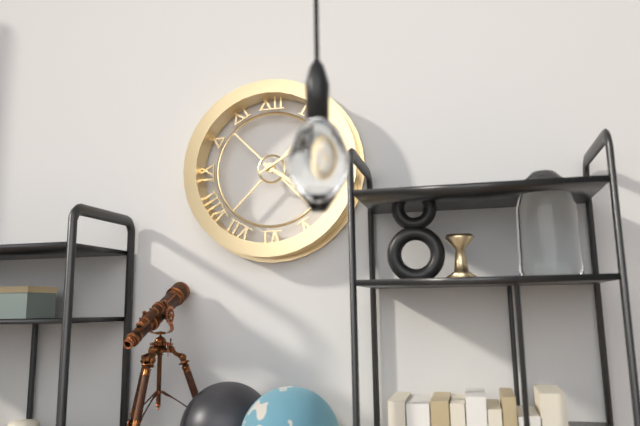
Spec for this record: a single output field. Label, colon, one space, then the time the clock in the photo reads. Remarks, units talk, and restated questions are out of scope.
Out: 4:10
